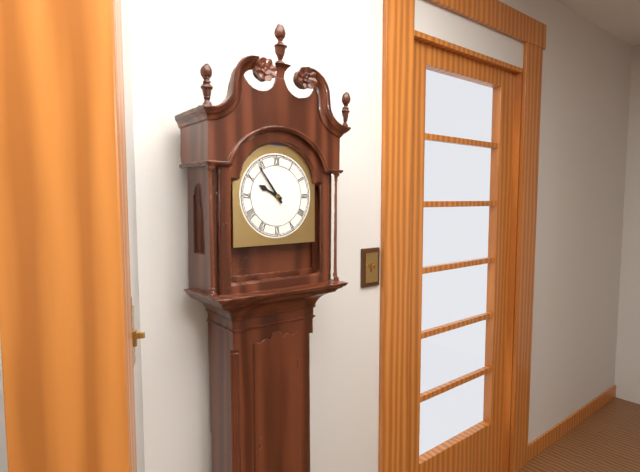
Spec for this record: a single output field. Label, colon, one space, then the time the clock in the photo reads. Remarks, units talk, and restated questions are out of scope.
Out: 9:54
